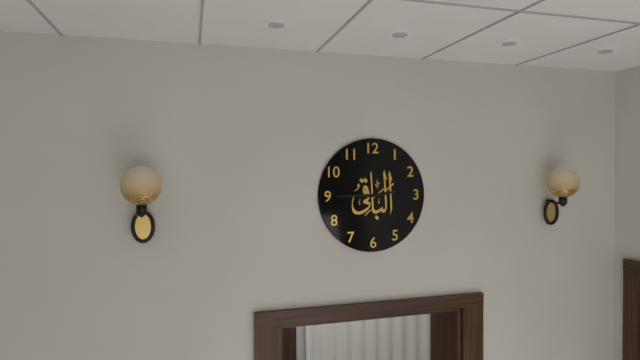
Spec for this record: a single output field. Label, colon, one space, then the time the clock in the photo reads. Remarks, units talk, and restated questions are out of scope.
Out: 2:45
